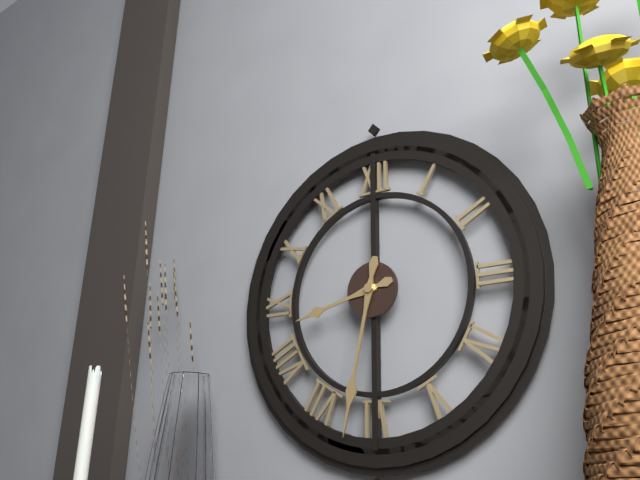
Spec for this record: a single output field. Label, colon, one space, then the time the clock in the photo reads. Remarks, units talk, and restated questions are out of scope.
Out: 8:32
